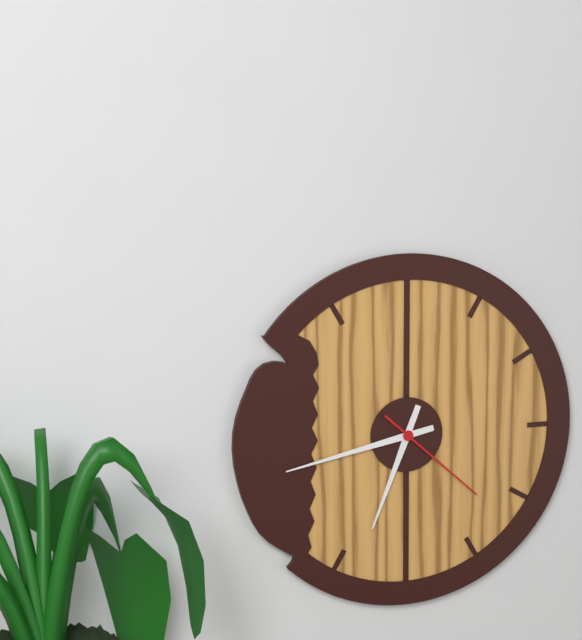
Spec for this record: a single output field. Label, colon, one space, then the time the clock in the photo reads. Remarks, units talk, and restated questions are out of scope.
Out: 6:43:22
